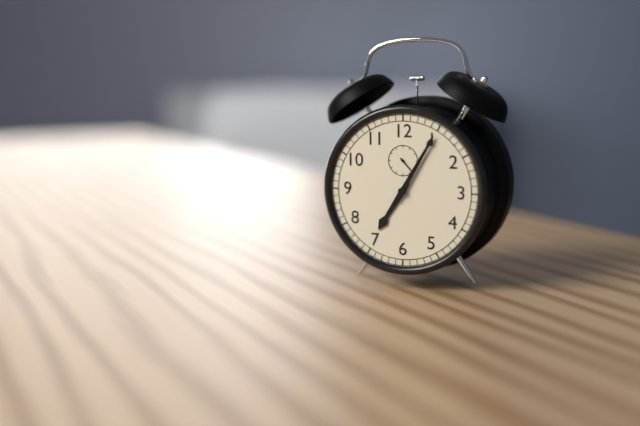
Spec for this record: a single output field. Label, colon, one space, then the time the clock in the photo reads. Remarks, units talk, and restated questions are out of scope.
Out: 7:05
